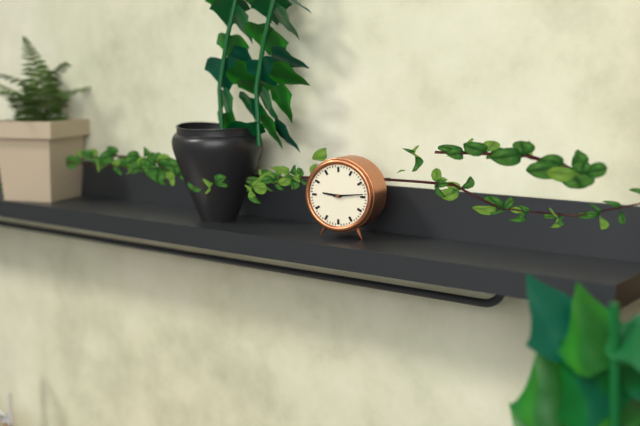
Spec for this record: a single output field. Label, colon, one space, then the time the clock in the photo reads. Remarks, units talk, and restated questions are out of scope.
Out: 9:14
